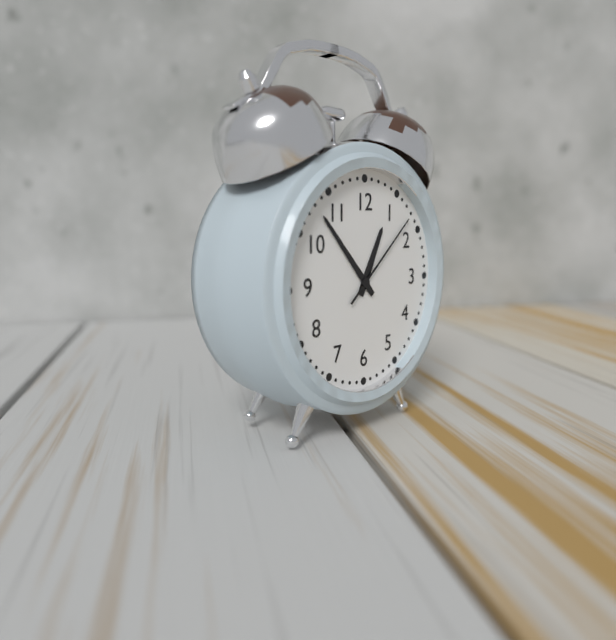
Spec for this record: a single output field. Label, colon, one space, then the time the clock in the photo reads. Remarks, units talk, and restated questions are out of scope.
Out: 12:53:08
